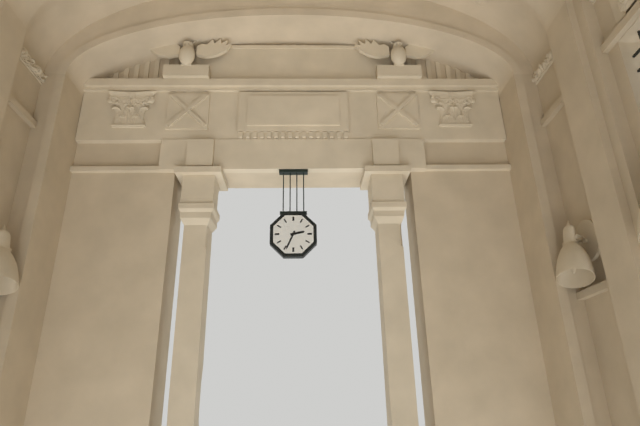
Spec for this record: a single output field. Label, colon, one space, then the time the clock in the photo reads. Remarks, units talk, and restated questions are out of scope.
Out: 2:34
